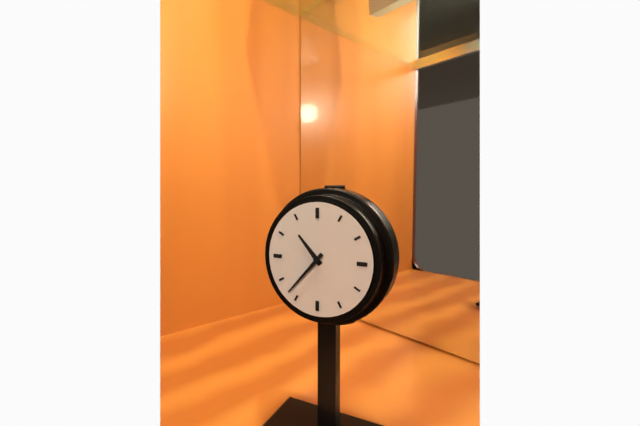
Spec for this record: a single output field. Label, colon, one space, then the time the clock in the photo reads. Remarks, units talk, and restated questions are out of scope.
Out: 10:37
